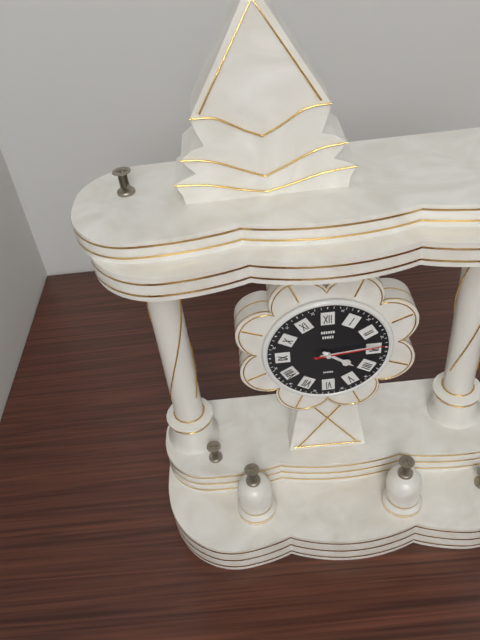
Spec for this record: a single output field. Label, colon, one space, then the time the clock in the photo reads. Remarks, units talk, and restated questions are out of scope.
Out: 4:14:14
